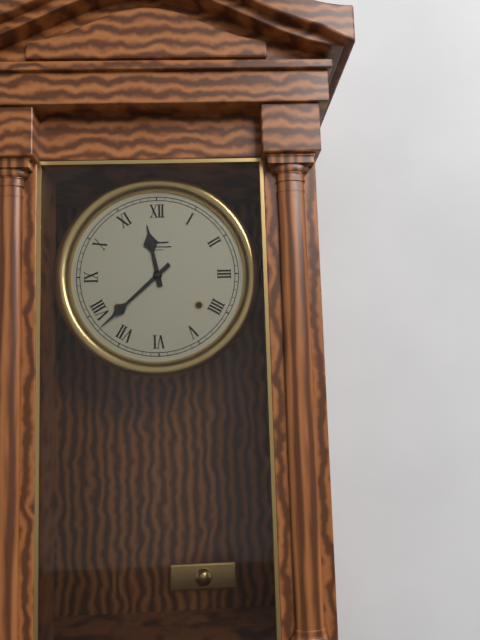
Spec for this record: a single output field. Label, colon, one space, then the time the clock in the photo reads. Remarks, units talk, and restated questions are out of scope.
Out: 11:38
